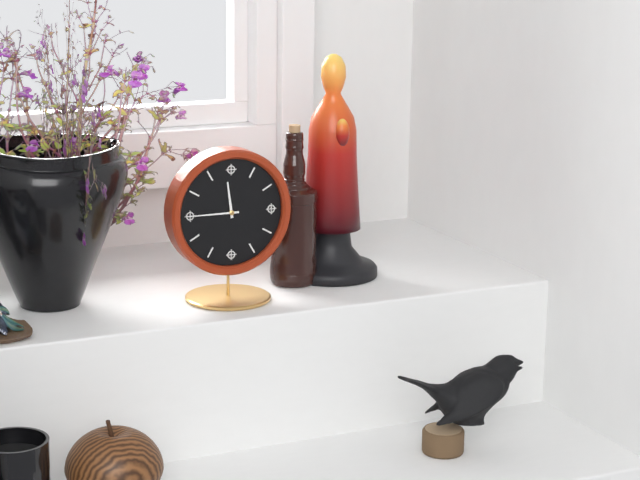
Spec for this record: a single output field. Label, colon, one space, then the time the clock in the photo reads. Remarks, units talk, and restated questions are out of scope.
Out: 11:45
